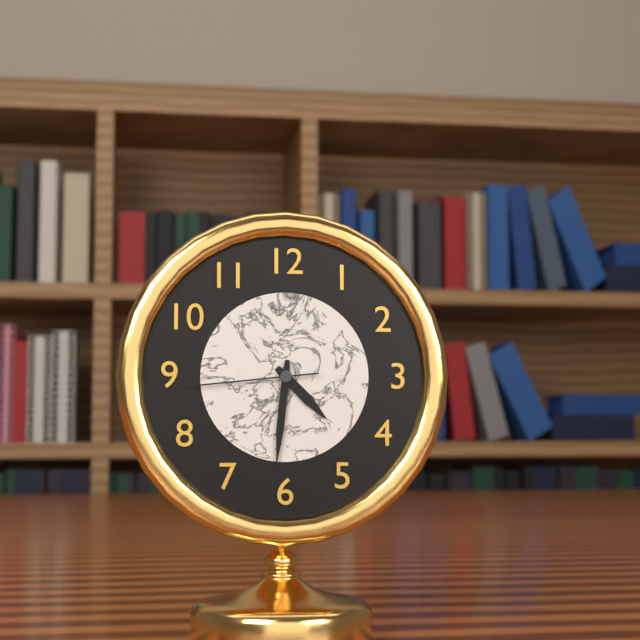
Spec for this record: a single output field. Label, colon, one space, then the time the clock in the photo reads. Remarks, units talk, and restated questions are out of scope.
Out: 4:31:44
